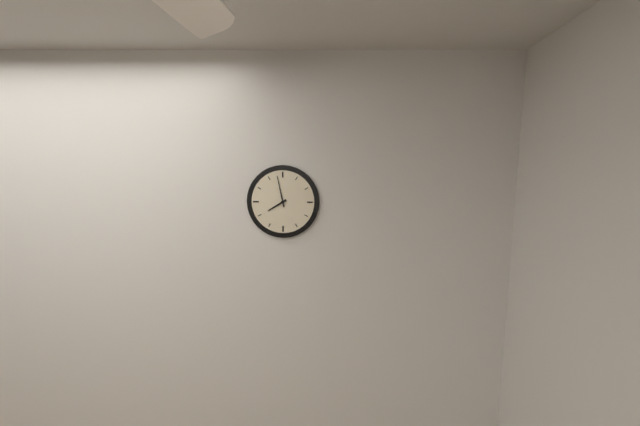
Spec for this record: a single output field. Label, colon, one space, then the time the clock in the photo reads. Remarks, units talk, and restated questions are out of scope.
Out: 7:58
